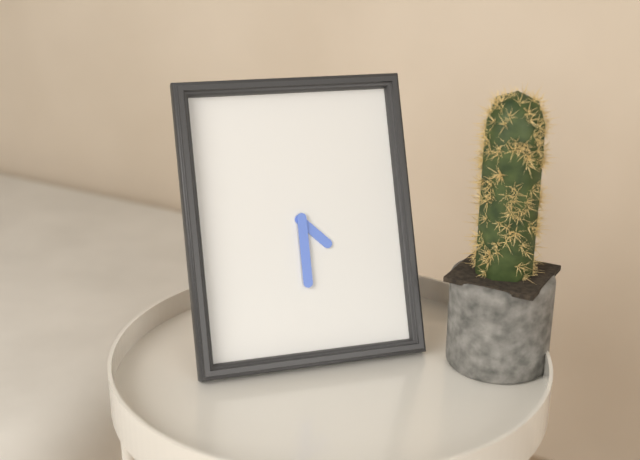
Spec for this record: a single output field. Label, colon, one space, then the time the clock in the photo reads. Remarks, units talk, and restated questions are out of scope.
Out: 4:30
